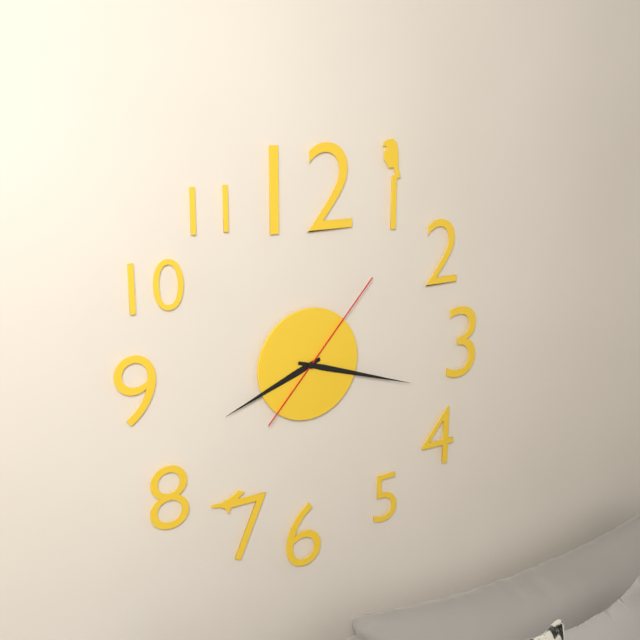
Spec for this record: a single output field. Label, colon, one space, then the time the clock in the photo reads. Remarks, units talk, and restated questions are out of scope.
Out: 8:18:07
